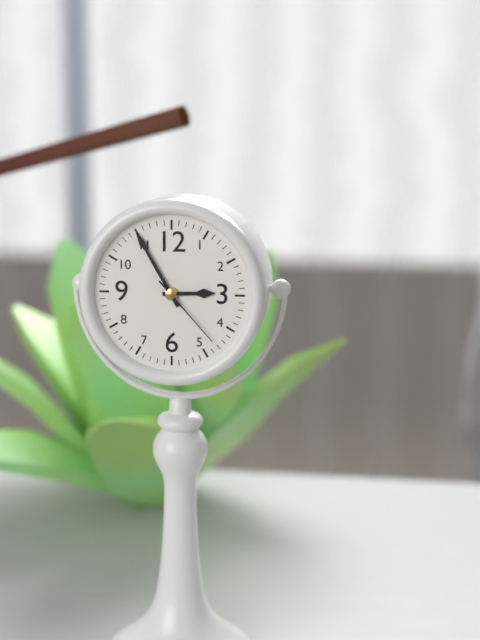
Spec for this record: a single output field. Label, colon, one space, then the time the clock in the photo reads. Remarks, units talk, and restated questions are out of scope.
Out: 2:55:23
